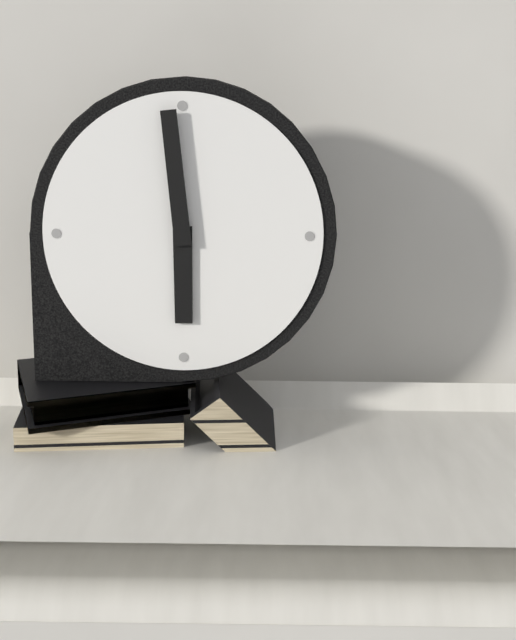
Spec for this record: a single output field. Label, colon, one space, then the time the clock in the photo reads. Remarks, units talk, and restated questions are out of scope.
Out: 5:59
